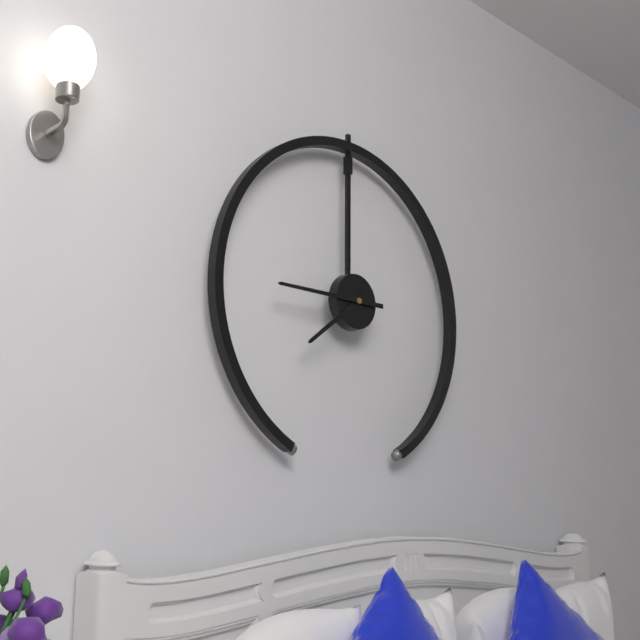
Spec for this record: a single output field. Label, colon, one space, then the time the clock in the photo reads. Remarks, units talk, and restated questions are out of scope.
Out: 7:45
